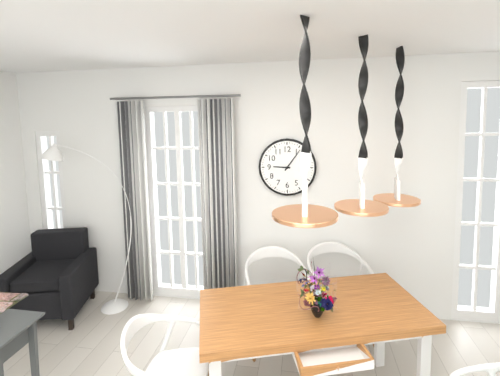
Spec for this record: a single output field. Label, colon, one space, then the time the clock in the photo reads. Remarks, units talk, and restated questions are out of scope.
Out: 9:06
